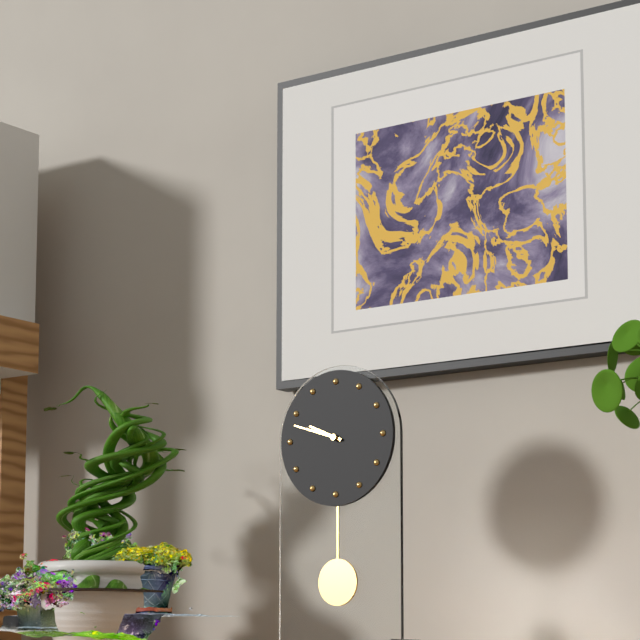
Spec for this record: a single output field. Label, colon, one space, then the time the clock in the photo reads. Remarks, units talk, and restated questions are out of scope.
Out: 9:48
